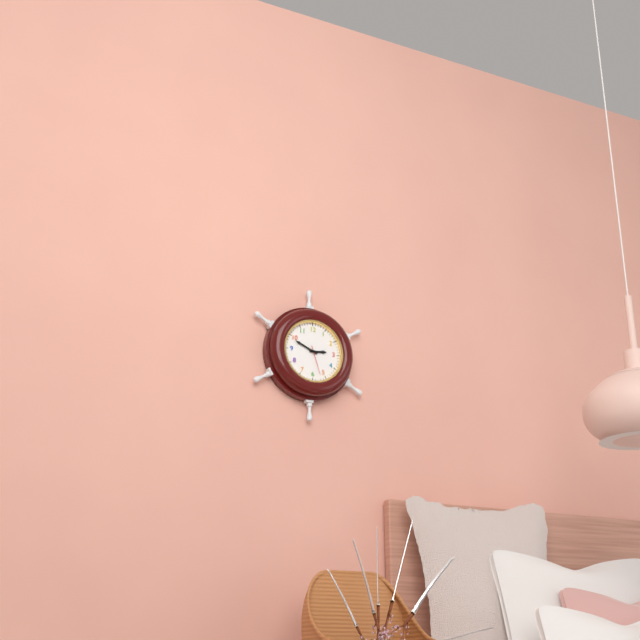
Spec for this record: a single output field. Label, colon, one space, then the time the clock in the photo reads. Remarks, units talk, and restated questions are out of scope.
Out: 2:49
